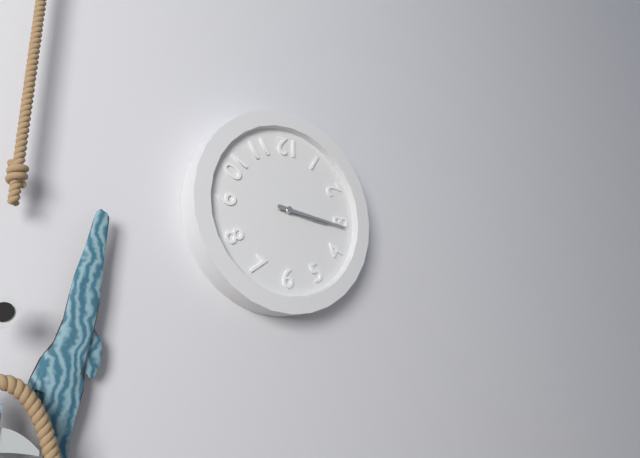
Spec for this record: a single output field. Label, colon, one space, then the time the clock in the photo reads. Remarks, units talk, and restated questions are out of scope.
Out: 3:16
